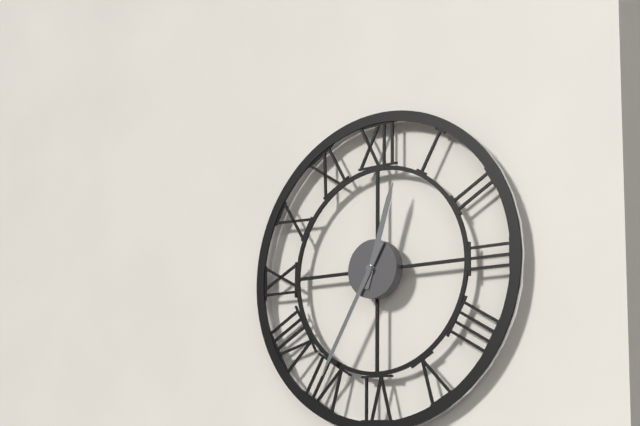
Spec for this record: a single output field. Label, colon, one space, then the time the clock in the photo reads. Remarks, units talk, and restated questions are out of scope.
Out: 12:35
